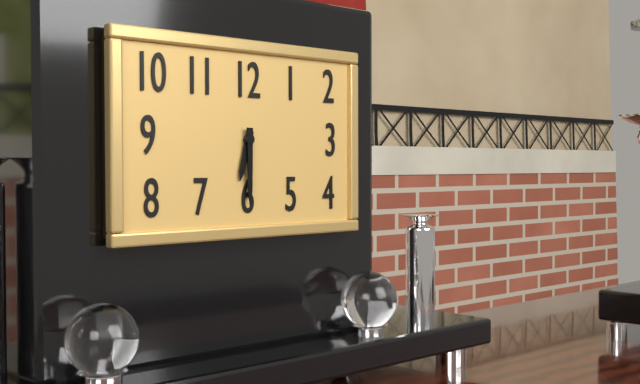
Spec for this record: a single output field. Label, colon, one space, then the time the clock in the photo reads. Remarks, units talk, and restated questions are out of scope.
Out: 6:30
